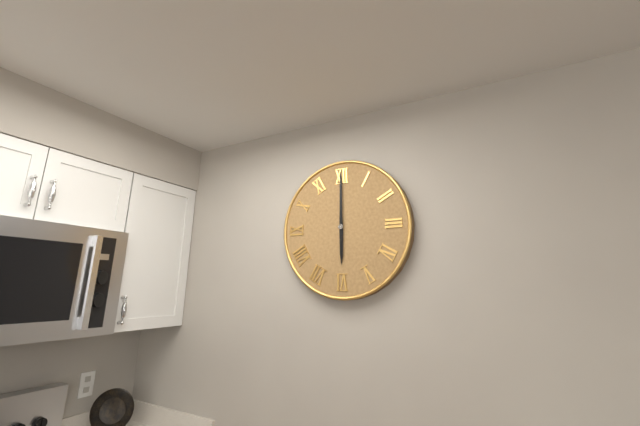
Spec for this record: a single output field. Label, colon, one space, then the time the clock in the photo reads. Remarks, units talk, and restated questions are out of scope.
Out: 6:00
